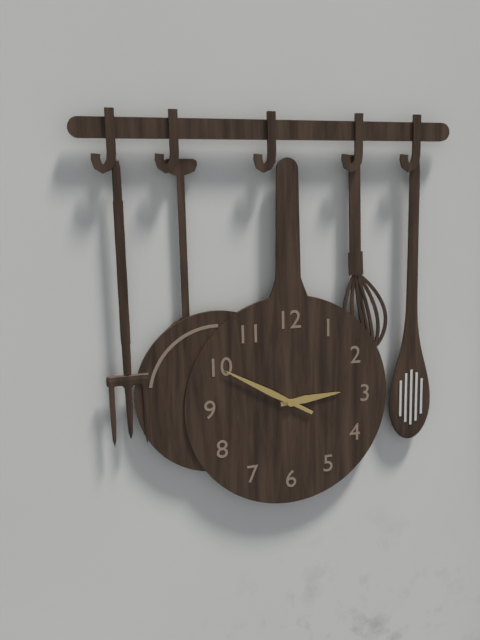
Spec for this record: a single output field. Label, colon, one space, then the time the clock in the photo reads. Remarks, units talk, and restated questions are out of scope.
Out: 2:50
